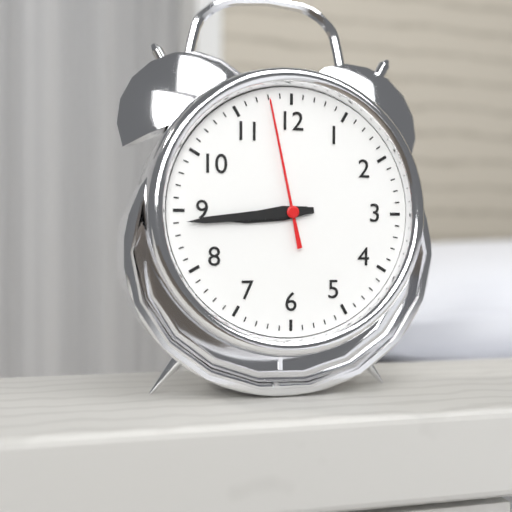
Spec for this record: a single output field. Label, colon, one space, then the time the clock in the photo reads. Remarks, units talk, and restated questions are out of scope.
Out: 8:44:58
